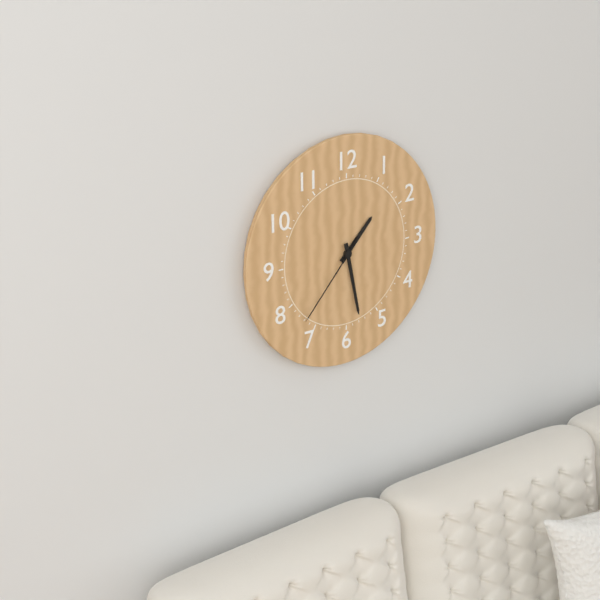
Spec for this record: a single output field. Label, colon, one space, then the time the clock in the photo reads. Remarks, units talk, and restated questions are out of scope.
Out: 1:28:37
